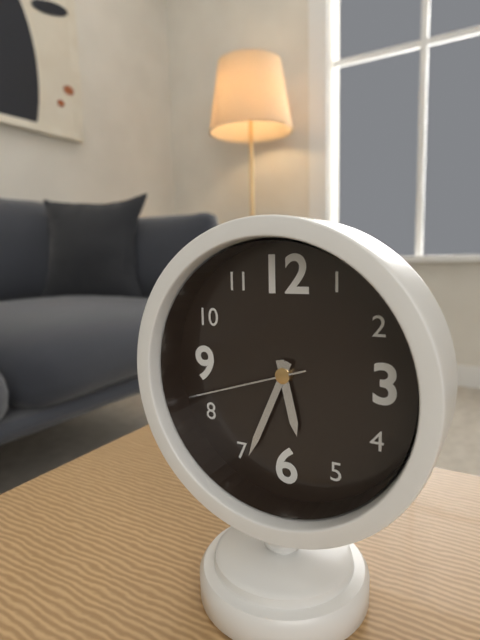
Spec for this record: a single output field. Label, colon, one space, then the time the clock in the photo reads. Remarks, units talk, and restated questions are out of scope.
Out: 5:34:42
